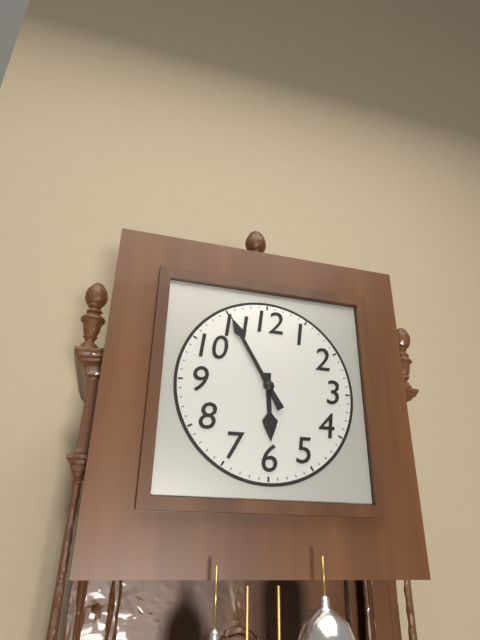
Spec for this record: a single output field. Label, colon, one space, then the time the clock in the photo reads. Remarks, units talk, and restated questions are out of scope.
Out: 5:55
